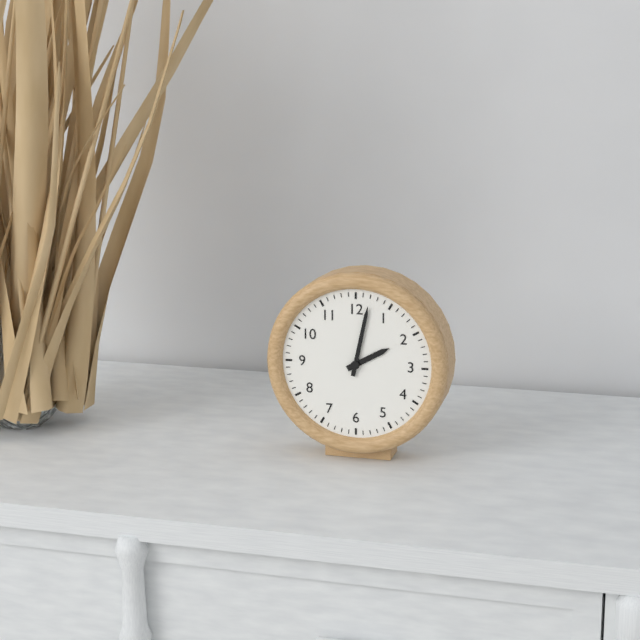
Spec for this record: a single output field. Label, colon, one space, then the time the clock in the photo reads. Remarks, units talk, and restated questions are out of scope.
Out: 2:02
